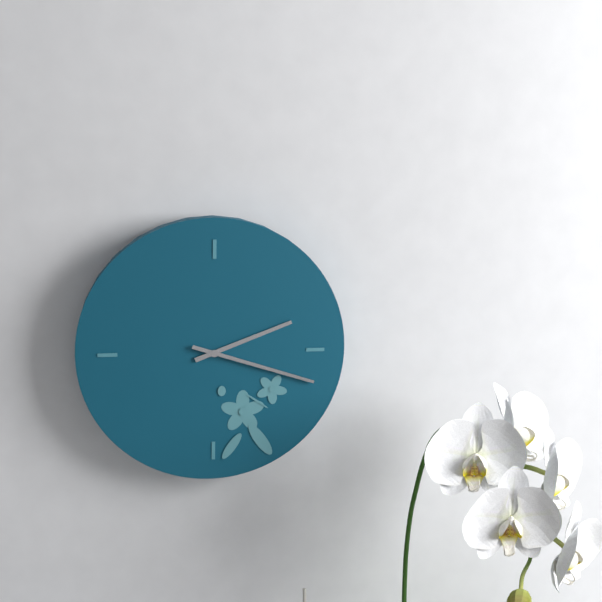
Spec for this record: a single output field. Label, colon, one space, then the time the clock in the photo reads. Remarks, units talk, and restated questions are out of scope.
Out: 2:18
